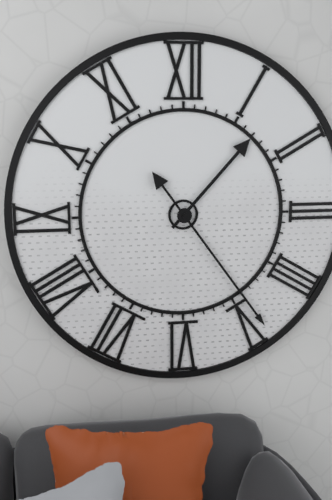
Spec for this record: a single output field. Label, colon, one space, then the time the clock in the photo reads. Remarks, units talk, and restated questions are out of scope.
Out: 1:24
